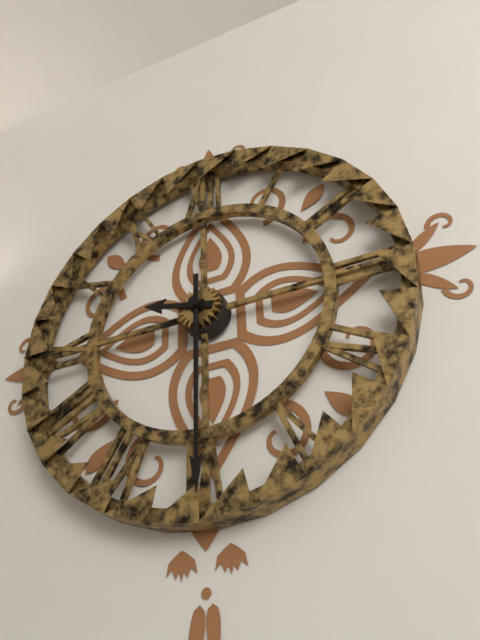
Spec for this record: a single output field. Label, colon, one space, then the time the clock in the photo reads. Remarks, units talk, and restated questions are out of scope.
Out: 9:30
